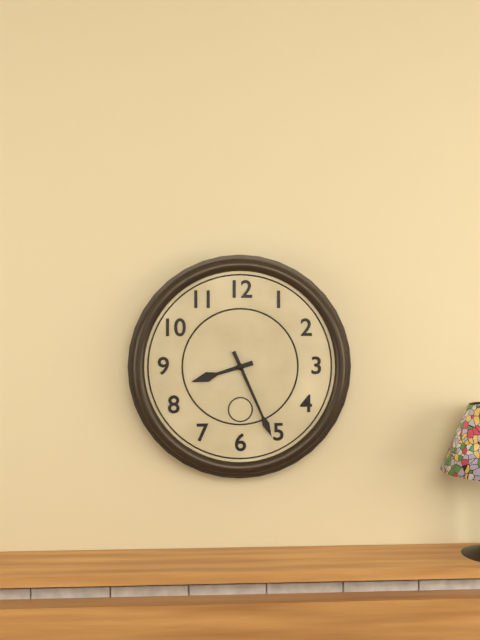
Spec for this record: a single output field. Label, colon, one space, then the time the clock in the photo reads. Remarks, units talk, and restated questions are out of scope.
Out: 8:26
